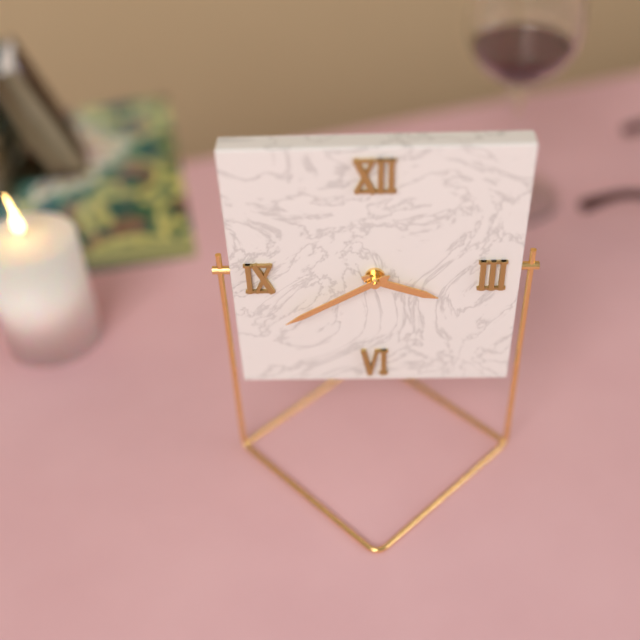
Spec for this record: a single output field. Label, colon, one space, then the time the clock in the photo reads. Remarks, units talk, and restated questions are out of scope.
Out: 3:40
